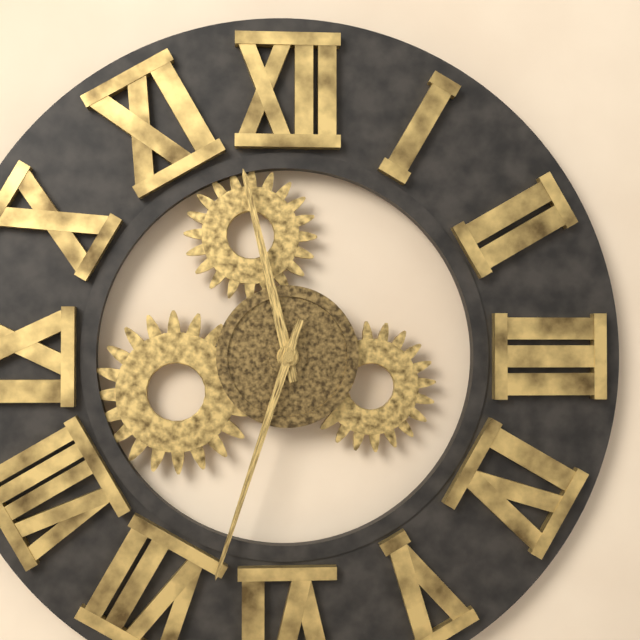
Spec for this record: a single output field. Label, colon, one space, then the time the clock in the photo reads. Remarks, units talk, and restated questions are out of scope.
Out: 11:33
